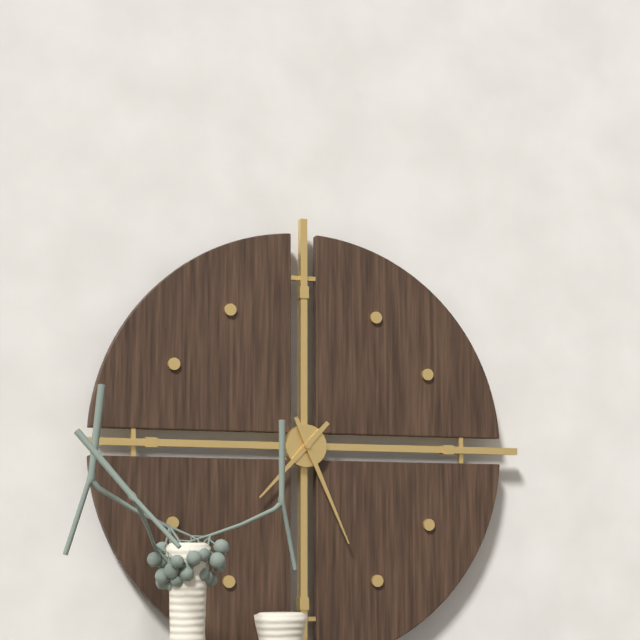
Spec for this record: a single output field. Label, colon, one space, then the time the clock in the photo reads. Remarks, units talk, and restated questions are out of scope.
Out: 7:26
